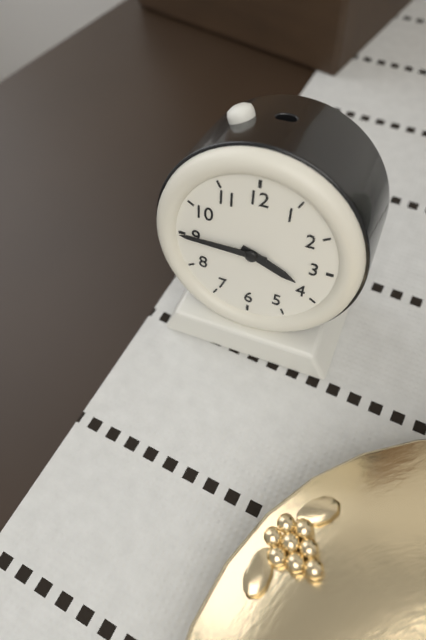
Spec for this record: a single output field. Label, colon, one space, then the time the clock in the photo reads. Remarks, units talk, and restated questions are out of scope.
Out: 3:45
